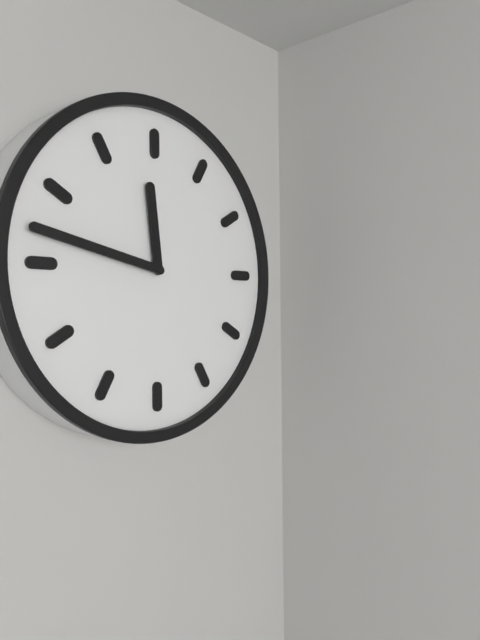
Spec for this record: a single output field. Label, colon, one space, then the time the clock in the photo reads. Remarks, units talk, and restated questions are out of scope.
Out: 11:47
